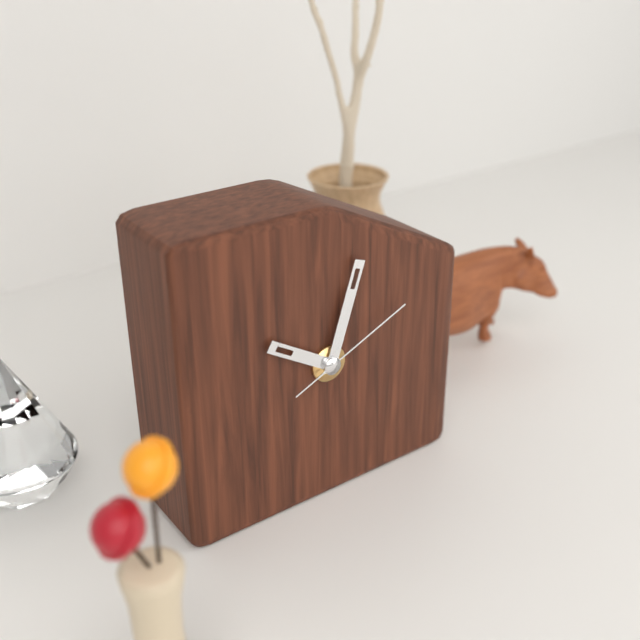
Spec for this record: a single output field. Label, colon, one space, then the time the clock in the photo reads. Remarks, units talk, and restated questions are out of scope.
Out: 10:03:11
